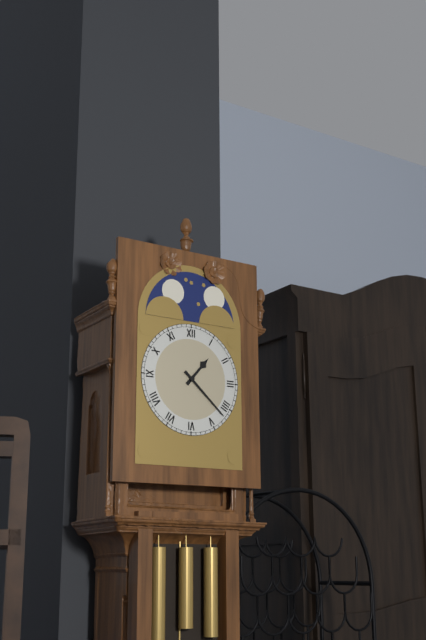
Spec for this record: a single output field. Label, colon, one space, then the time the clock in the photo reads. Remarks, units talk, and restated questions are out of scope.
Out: 1:22
